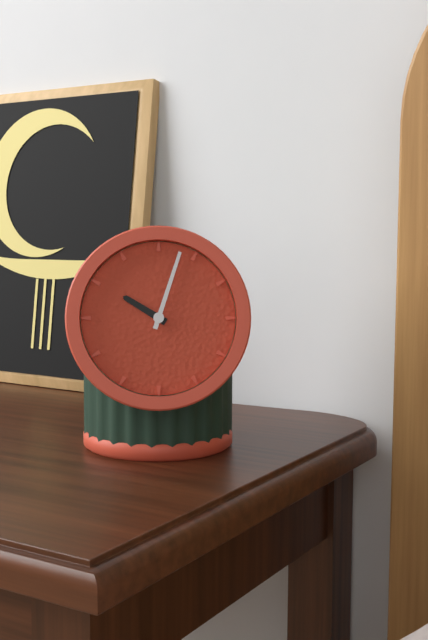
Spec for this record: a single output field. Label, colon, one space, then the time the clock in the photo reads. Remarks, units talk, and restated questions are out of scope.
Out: 10:03
